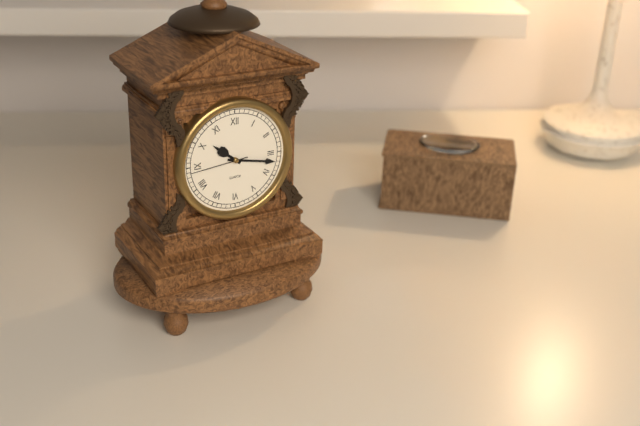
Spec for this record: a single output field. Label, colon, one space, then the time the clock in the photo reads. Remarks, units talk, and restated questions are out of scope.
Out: 10:17:44
